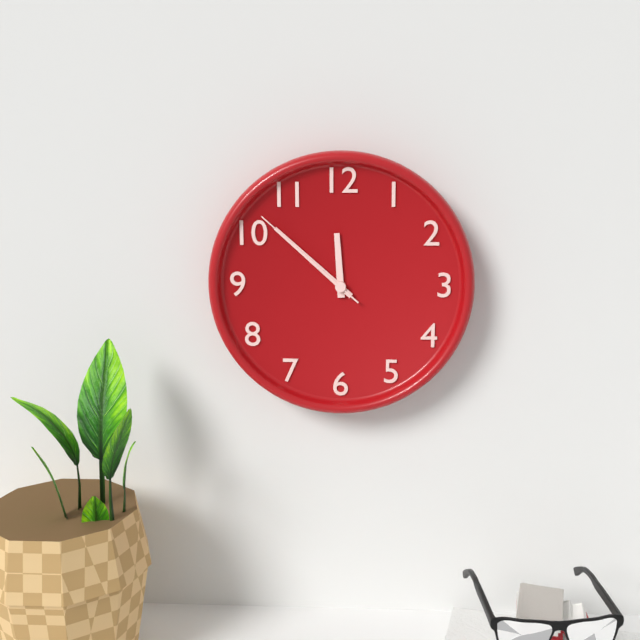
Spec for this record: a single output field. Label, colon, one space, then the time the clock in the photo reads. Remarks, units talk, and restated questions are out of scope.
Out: 11:52:52
